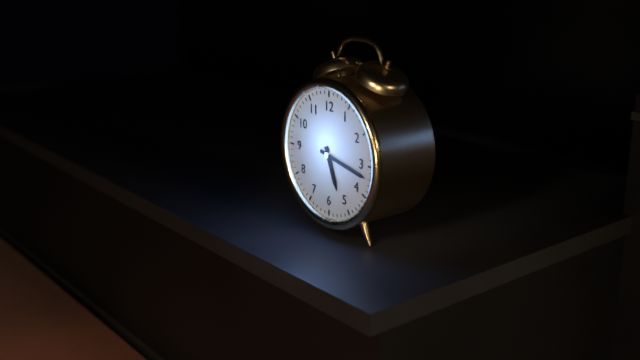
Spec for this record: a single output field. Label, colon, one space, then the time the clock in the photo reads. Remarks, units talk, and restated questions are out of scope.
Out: 5:17
